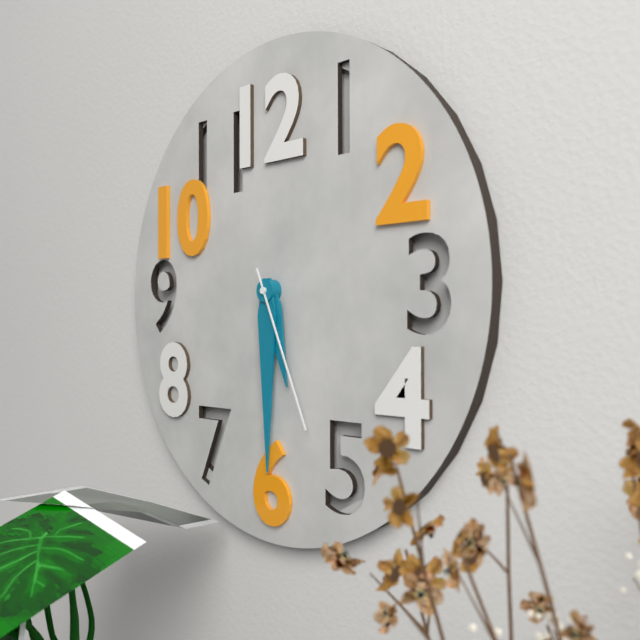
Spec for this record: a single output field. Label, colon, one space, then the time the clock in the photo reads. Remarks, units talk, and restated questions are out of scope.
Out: 5:30:26
